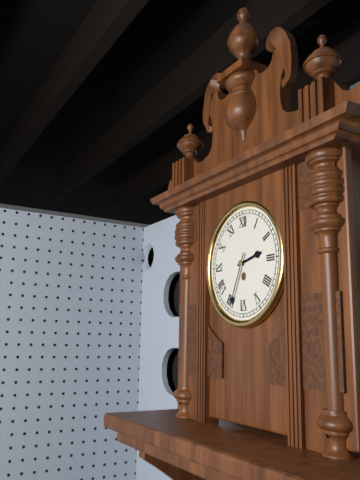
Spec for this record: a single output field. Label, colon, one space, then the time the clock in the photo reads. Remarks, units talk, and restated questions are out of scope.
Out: 2:34
